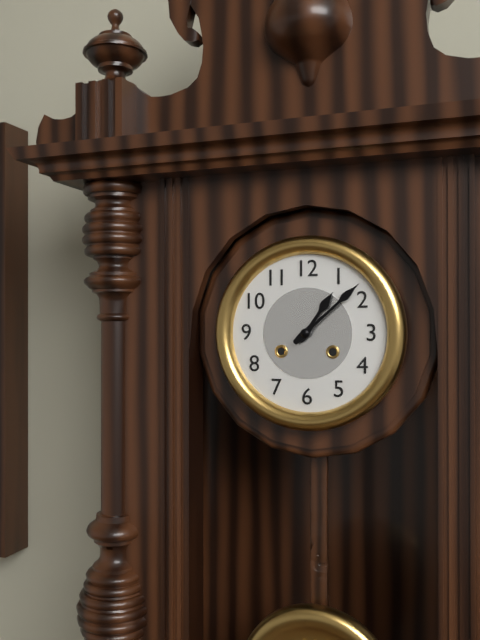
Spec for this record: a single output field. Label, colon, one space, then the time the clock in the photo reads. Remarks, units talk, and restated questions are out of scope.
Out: 1:08
